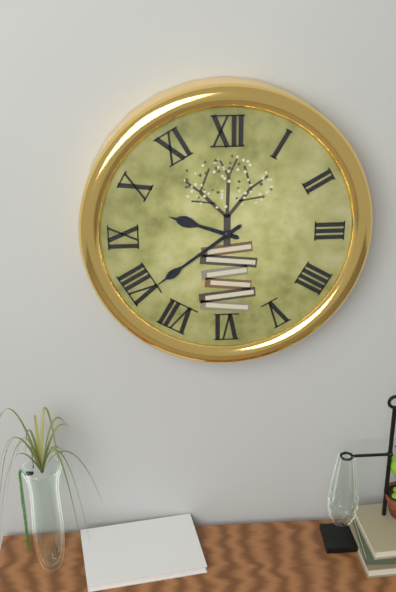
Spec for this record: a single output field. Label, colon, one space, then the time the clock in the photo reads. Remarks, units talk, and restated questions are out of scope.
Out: 9:39
